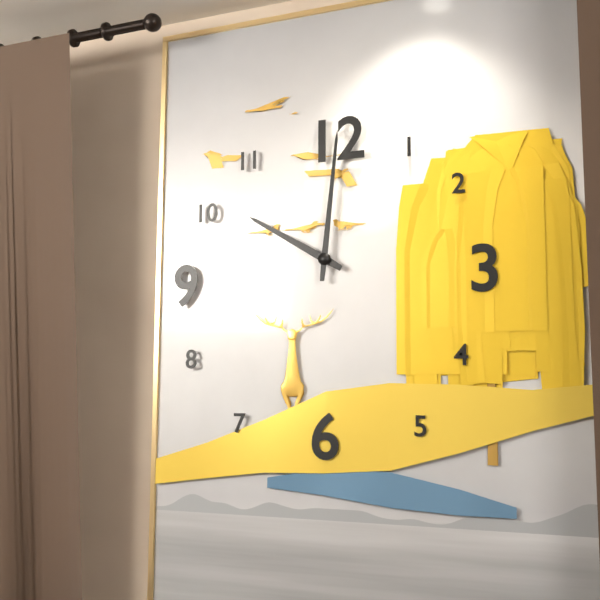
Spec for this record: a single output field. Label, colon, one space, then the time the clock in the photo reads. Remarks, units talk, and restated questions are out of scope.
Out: 10:01
